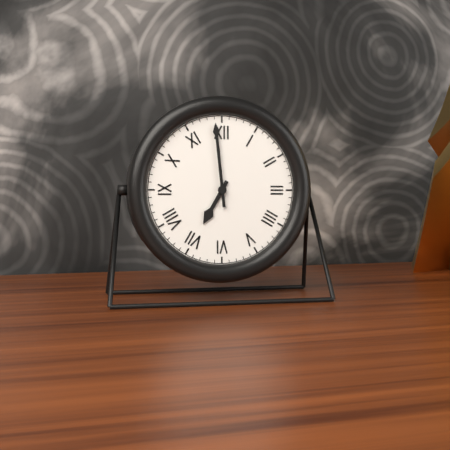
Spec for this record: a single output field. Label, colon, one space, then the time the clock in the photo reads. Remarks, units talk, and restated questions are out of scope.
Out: 6:59
